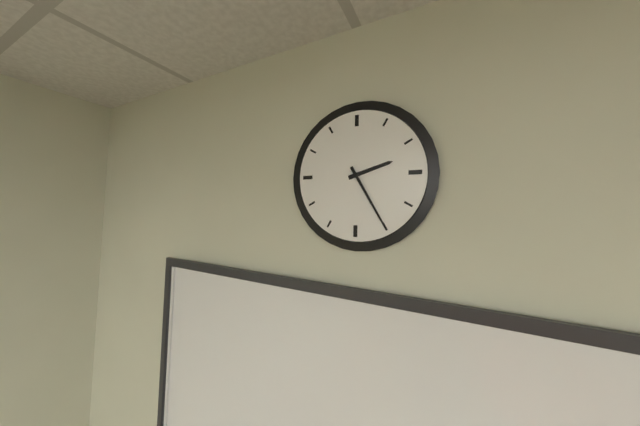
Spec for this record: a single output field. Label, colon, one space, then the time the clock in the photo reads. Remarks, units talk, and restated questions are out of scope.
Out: 2:25
